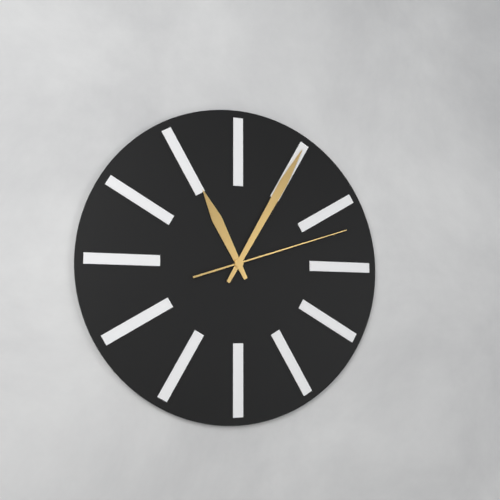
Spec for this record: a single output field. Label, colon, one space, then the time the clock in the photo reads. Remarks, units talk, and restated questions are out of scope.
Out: 11:05:12
